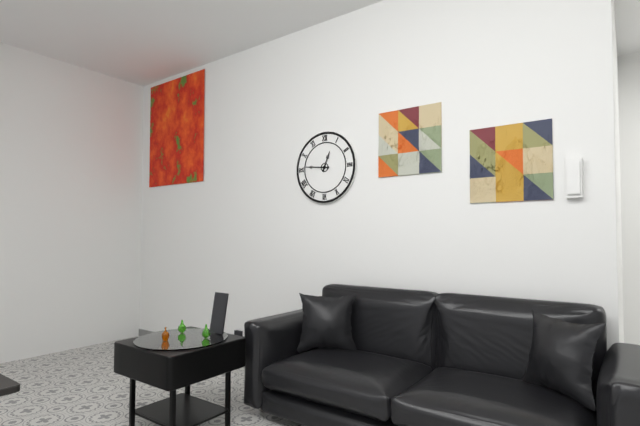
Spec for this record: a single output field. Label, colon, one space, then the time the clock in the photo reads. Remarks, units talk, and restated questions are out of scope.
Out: 12:46
